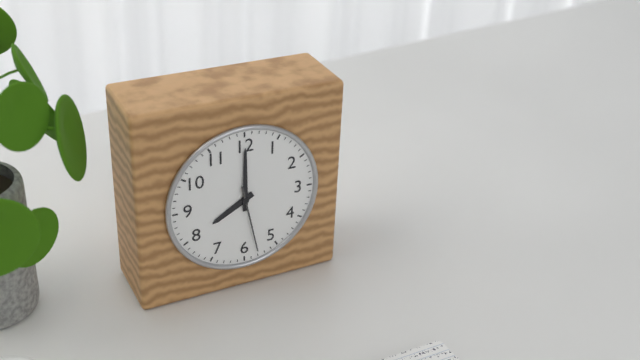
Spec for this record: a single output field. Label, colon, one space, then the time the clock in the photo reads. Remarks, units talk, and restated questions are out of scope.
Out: 8:00:28
